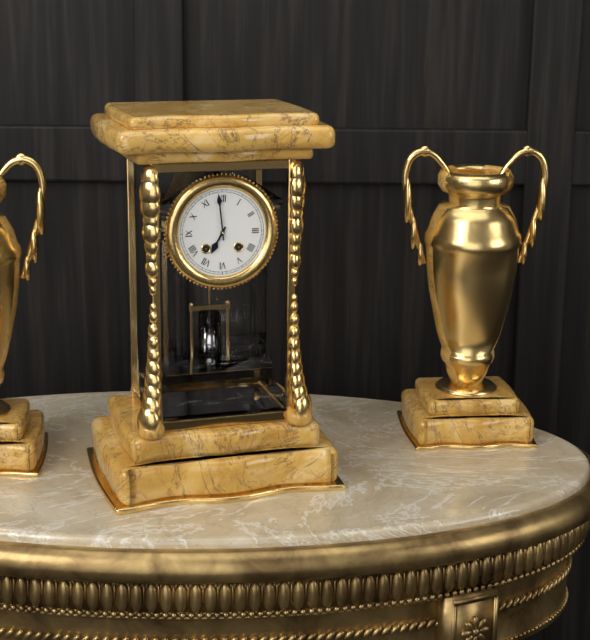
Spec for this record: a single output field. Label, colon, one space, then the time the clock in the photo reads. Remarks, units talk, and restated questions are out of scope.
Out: 6:59
